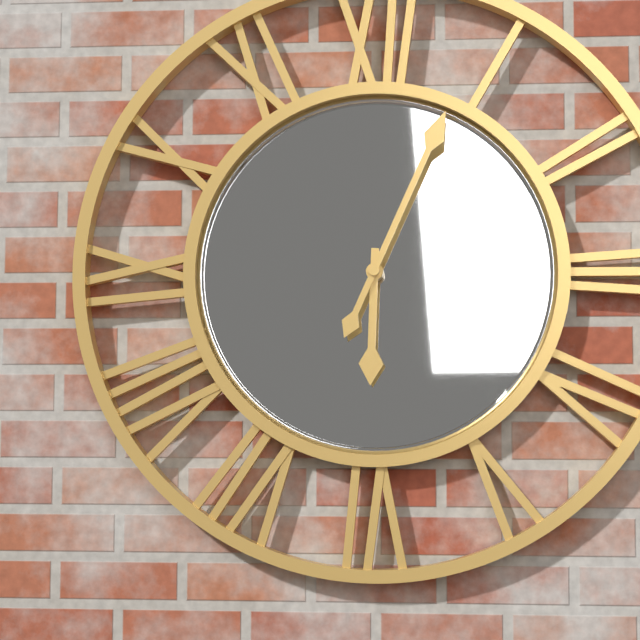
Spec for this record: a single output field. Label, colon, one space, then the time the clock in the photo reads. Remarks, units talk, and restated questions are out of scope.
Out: 6:04
